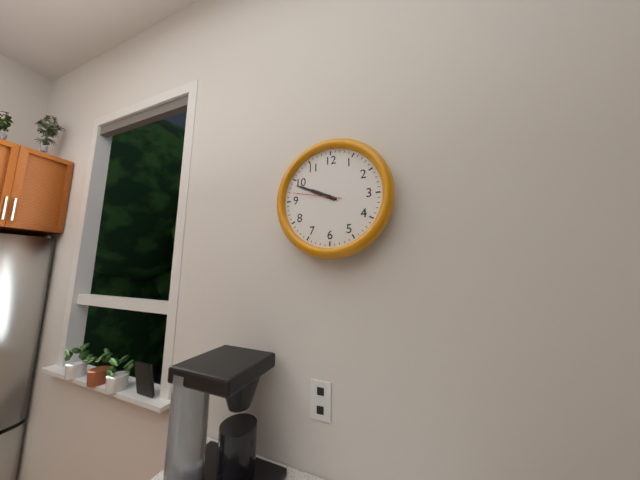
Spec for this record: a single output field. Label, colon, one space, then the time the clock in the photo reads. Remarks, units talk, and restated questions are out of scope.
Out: 9:49:47
